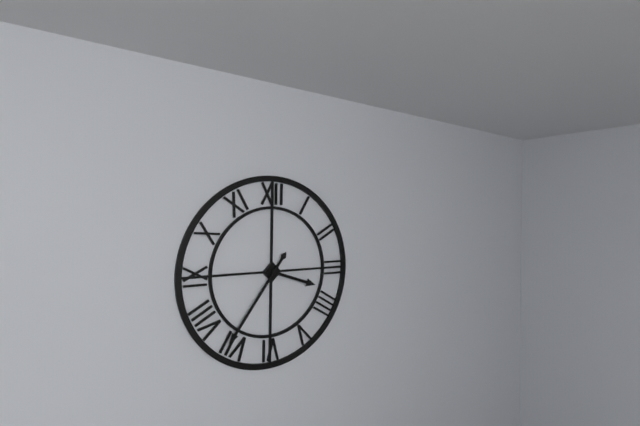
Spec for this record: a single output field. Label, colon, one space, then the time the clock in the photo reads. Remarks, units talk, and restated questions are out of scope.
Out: 3:36
